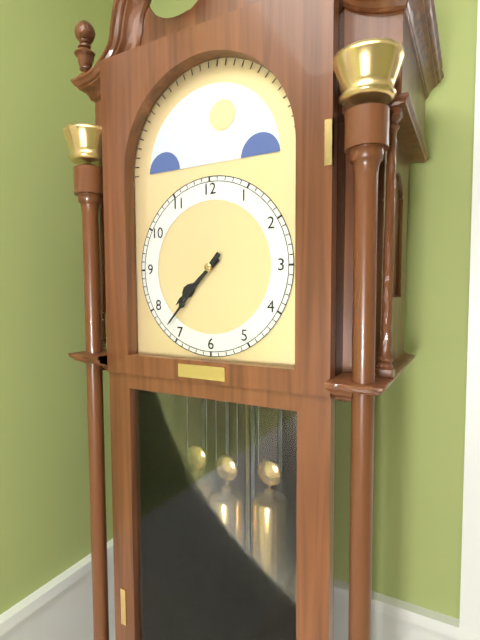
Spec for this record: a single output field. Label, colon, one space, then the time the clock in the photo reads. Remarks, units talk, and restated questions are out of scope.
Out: 7:37
